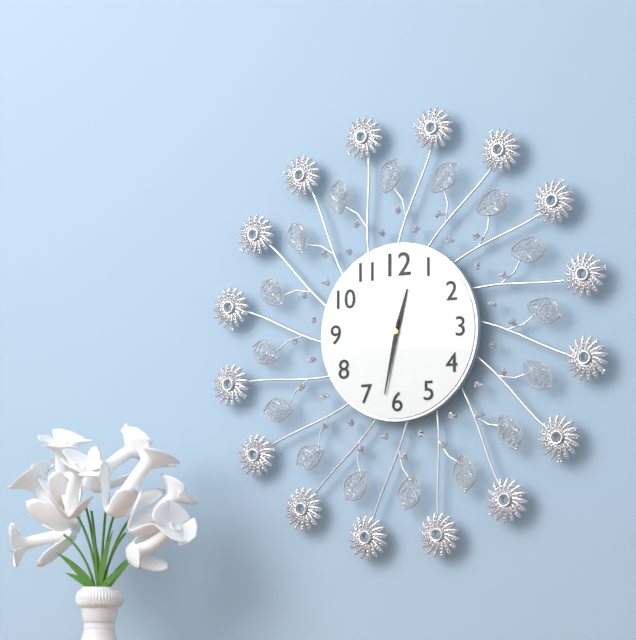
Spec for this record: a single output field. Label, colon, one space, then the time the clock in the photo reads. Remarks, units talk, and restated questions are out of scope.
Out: 12:32
